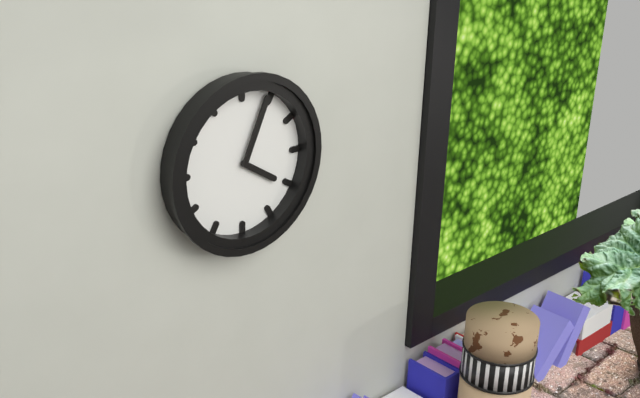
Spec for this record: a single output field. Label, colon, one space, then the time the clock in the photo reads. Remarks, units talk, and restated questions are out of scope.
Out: 4:04
